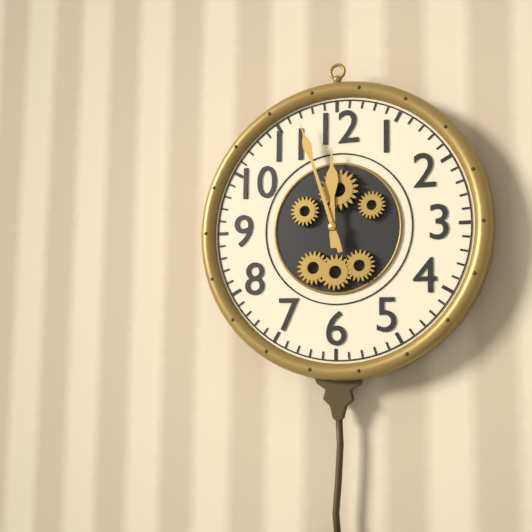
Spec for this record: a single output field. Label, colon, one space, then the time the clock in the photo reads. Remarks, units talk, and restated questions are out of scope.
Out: 11:57
